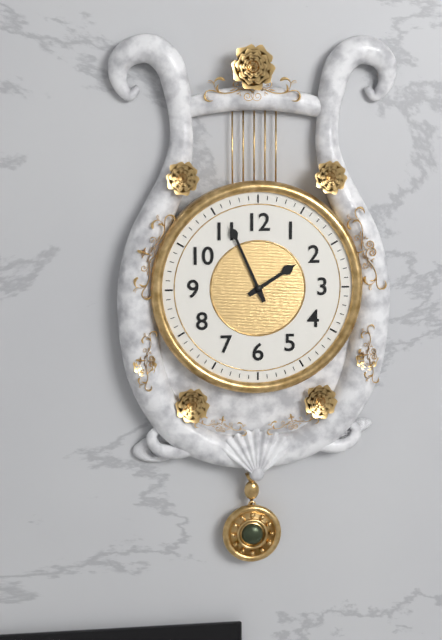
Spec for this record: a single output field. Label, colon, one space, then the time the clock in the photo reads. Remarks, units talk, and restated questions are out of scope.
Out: 1:56
